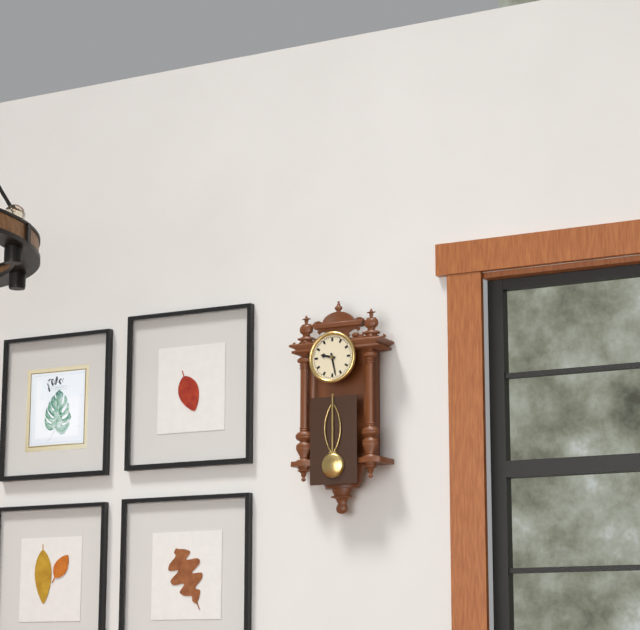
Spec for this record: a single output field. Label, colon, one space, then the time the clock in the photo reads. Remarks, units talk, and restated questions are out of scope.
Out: 9:28
